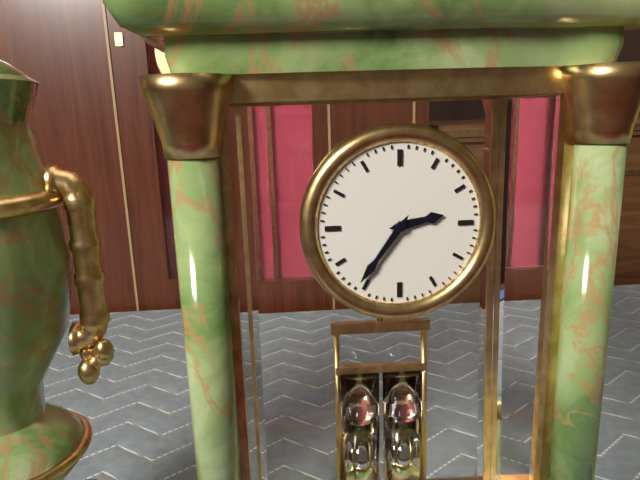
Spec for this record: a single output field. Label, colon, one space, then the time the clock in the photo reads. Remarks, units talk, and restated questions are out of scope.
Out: 2:36
